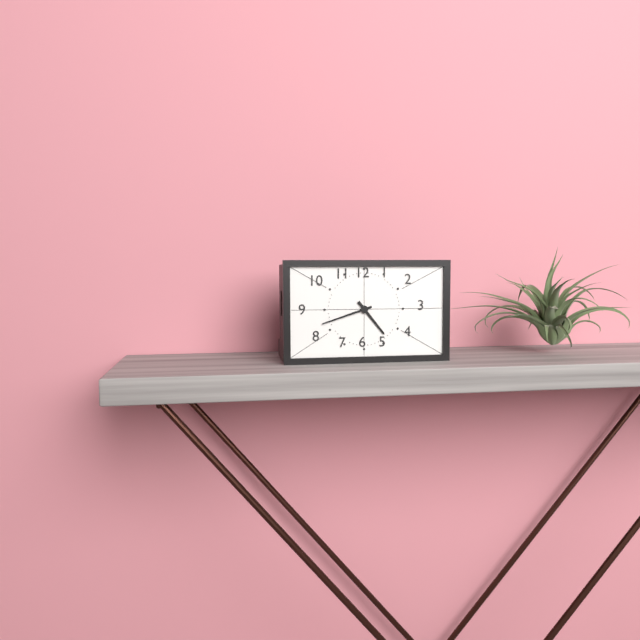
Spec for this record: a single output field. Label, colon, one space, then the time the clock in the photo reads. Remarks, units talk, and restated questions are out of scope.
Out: 4:42
